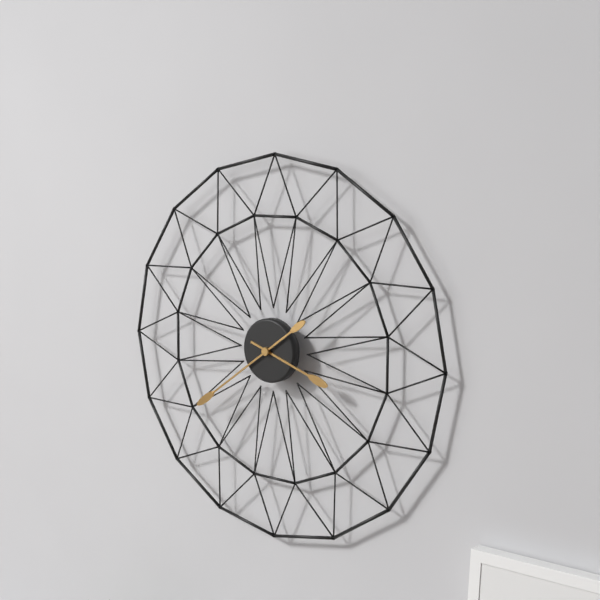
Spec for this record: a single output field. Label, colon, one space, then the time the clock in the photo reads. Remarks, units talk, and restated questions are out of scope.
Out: 3:39
